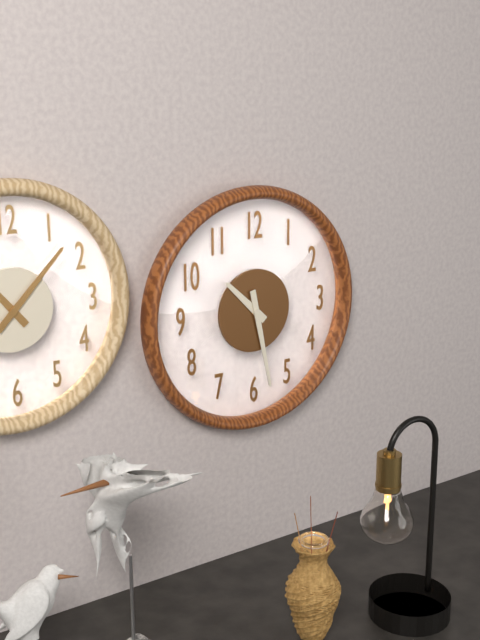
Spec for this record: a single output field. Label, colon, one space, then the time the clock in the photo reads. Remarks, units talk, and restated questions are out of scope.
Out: 10:28
